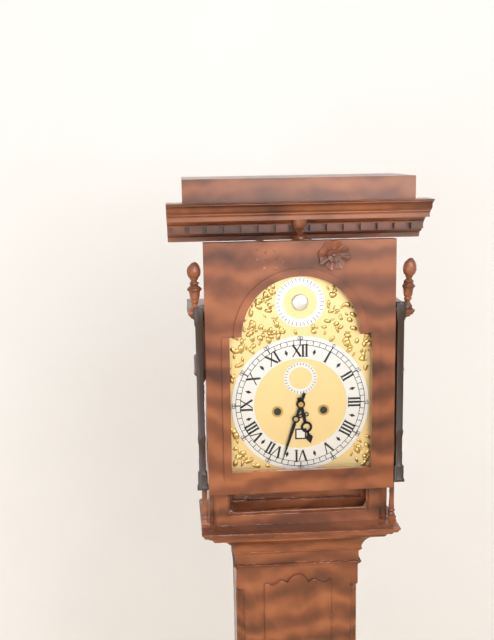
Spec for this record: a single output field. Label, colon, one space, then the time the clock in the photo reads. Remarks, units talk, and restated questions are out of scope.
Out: 5:33
